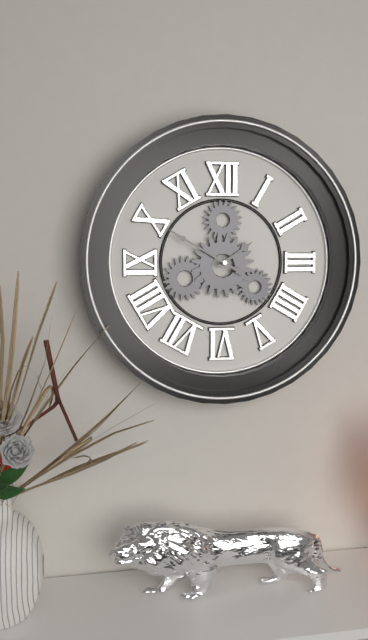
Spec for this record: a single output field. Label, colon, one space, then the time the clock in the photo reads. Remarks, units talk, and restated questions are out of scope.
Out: 1:50
